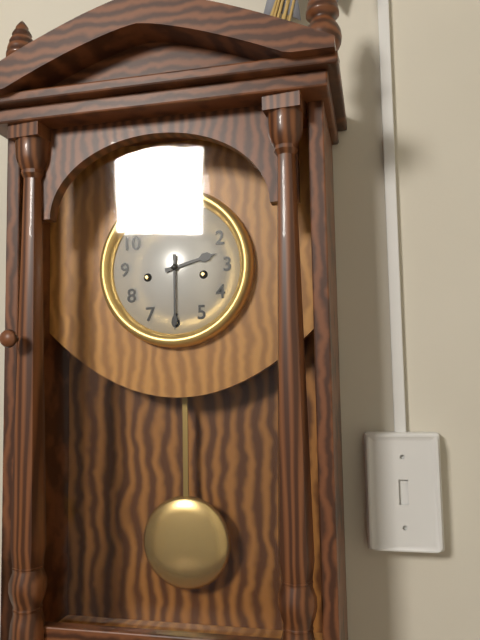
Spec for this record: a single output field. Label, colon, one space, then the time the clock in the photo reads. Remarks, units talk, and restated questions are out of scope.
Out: 2:30
